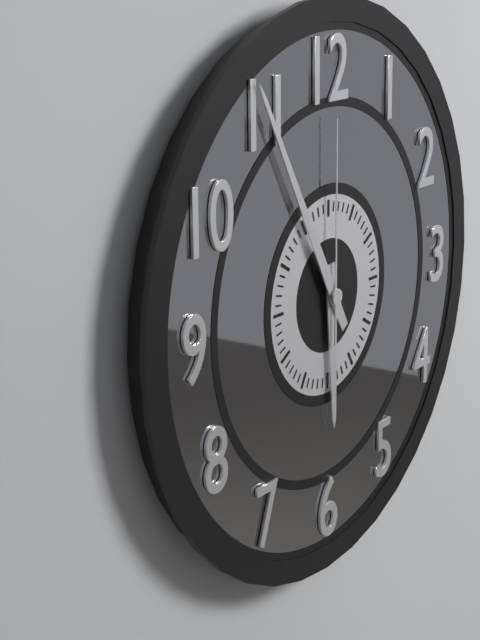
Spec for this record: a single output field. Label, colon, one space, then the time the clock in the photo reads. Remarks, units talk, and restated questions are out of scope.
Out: 5:55:00
